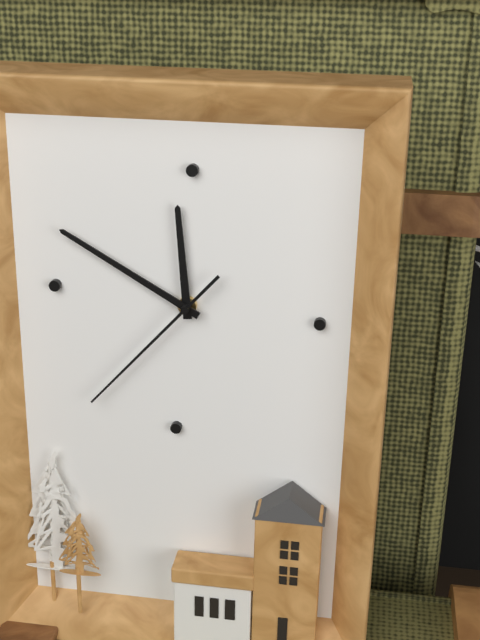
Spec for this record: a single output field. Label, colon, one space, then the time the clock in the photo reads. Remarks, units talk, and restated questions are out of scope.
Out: 11:50:37
